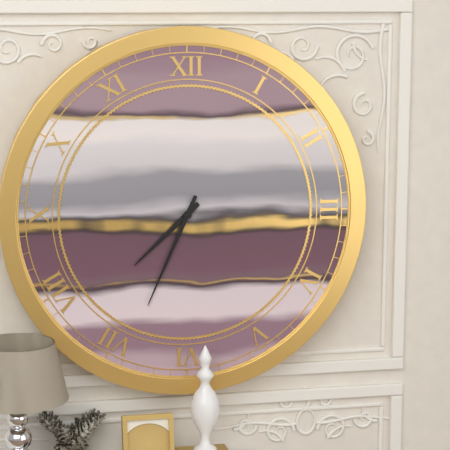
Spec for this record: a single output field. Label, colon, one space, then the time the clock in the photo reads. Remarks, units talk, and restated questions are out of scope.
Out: 7:34
